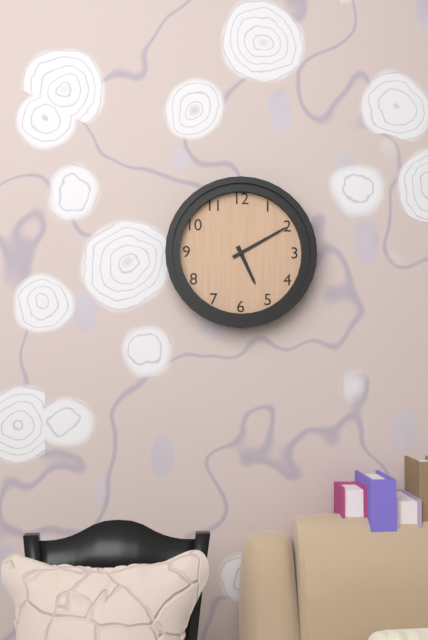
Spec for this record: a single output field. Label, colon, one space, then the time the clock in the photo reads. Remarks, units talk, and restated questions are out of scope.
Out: 5:10
